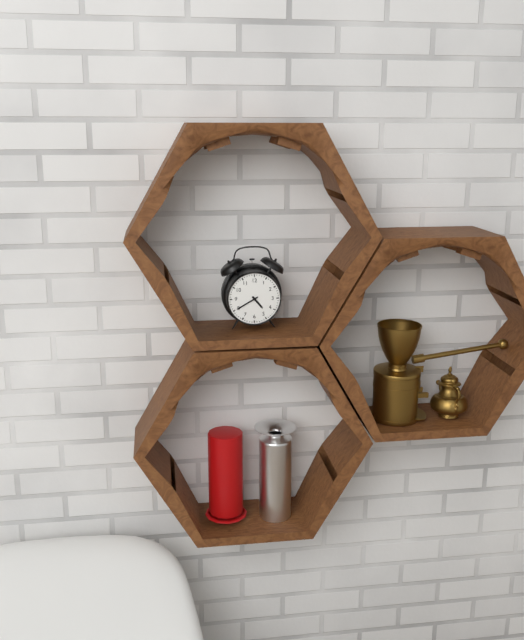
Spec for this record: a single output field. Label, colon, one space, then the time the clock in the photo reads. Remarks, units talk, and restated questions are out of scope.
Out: 4:40
